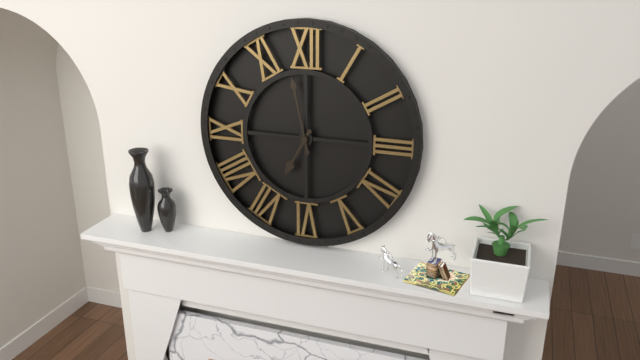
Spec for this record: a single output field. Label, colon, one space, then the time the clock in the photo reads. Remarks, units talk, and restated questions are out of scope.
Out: 6:58
